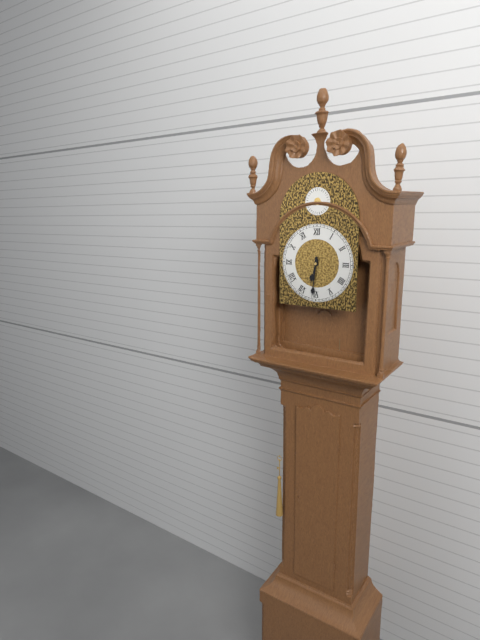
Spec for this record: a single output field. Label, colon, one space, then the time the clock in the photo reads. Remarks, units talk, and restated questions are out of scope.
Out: 6:31
